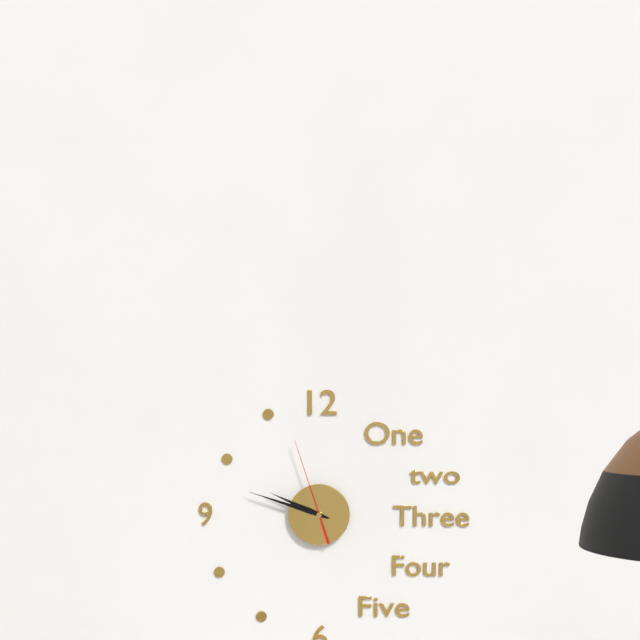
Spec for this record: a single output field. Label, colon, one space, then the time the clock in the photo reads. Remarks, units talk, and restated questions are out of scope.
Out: 9:48:57
